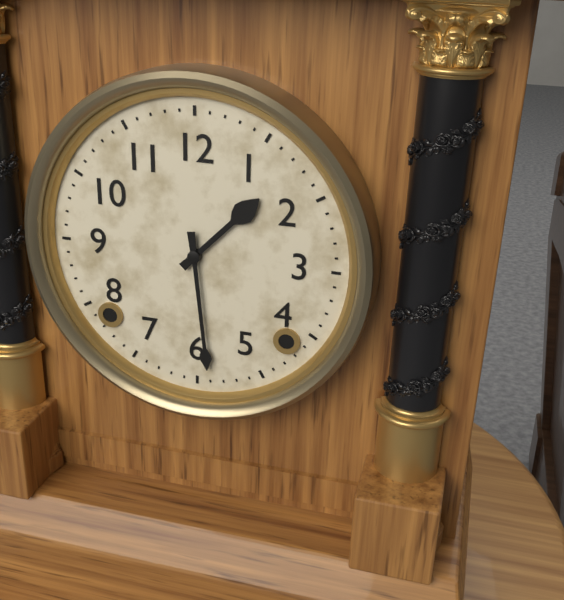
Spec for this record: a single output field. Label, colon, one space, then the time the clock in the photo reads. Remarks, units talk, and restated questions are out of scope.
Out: 1:29
